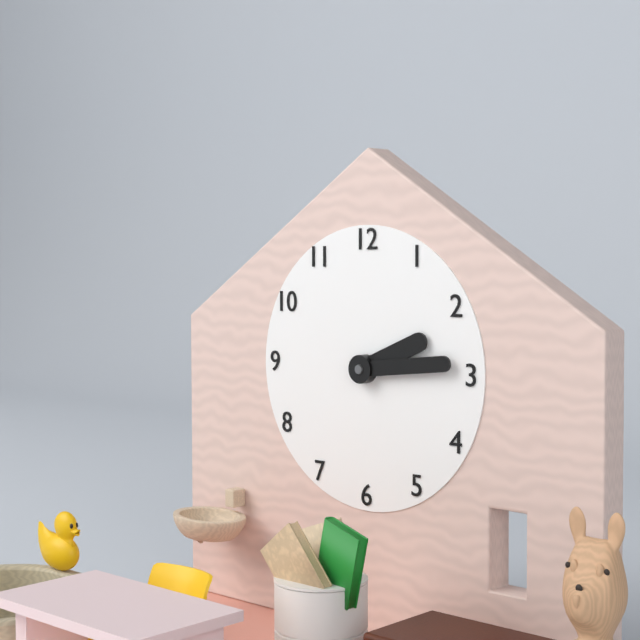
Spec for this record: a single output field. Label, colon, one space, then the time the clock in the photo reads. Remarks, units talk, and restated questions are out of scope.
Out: 2:14
